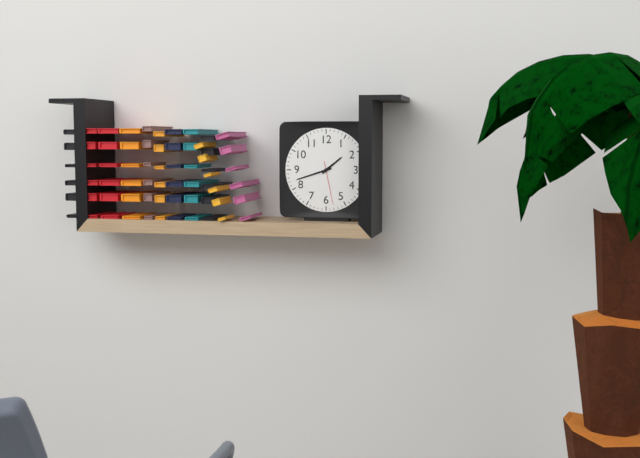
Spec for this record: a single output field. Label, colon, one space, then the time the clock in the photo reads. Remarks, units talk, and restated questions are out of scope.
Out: 1:42
